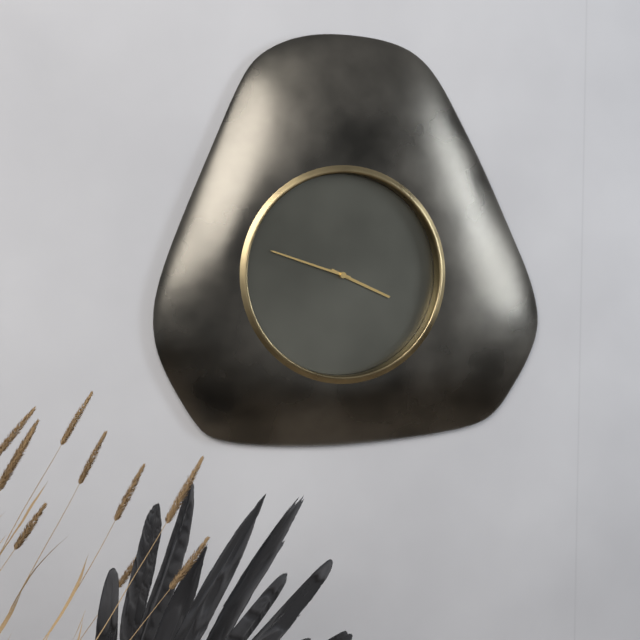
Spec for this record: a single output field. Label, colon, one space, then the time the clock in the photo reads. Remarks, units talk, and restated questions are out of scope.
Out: 3:48
